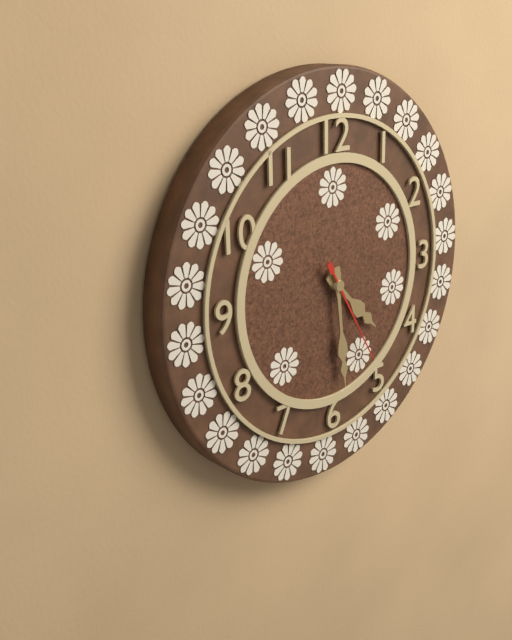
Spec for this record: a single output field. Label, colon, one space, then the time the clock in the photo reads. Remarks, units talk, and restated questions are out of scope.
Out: 4:29:25
